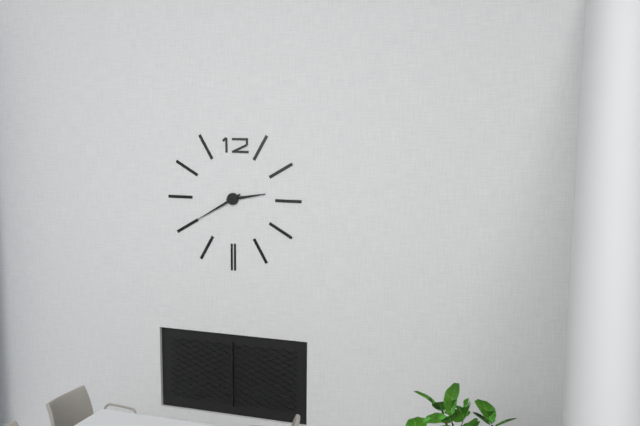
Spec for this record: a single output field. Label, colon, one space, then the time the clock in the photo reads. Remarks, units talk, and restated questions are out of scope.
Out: 2:40
